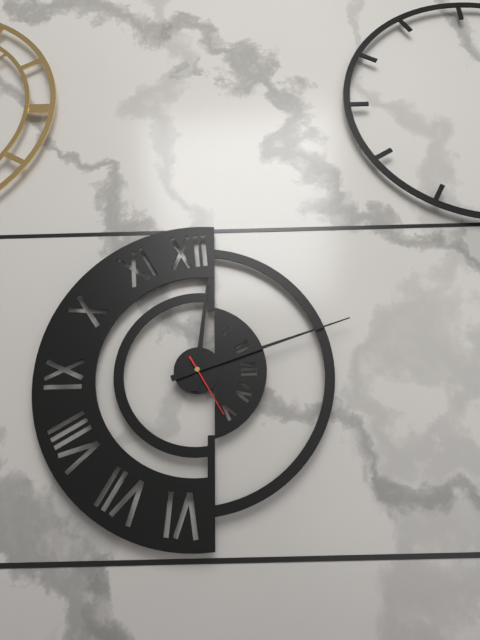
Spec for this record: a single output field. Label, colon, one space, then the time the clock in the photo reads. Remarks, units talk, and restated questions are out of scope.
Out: 12:12:25
